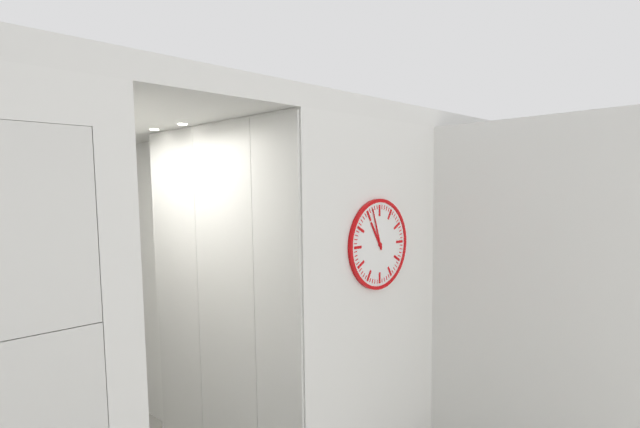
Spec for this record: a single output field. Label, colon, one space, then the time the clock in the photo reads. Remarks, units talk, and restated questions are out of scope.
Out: 10:57
